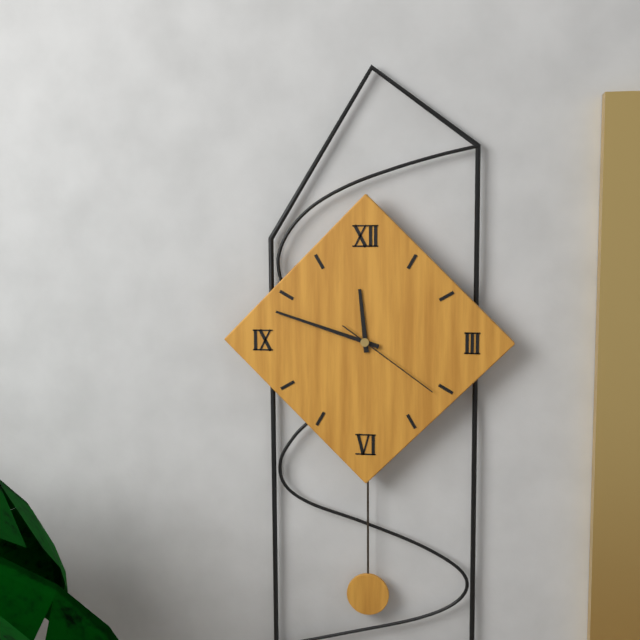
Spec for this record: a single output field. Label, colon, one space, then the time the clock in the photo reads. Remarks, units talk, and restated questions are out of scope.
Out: 11:48:21
